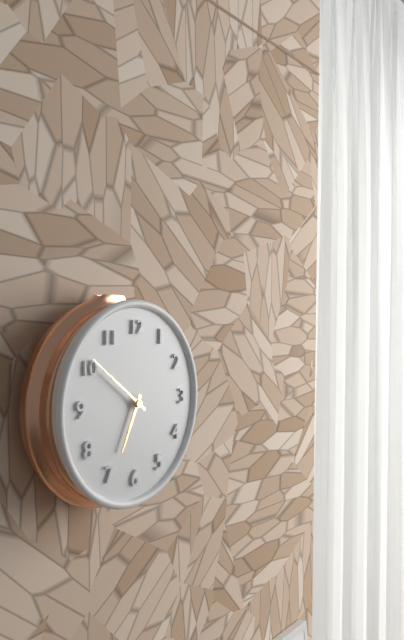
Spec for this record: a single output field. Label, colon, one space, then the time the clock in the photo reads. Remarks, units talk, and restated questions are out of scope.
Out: 6:51
